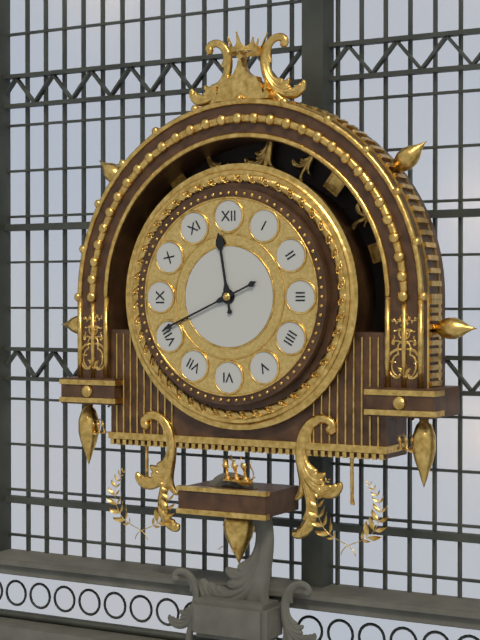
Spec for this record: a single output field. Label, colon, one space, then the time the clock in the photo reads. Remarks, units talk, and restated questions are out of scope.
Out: 11:41
